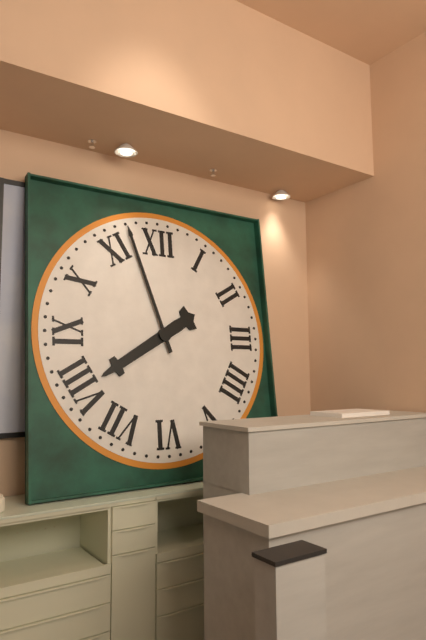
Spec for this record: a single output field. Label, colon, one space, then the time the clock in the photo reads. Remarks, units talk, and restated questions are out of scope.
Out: 7:57
